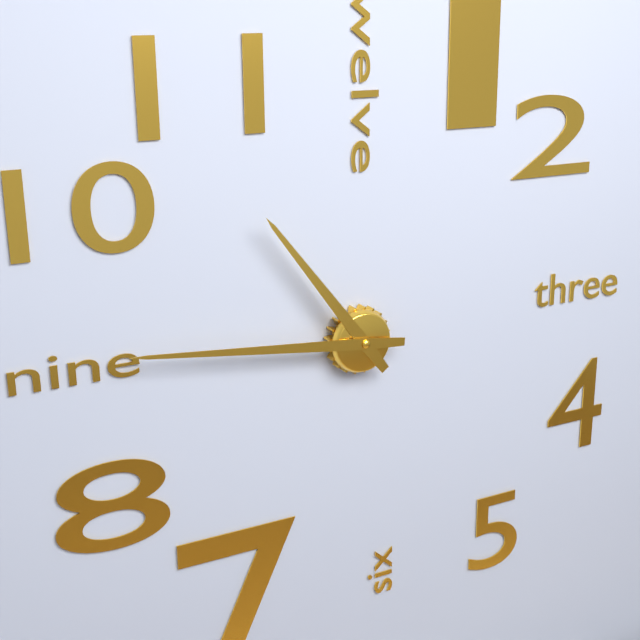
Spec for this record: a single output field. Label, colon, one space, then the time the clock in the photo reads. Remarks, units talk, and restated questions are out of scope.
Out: 10:46
